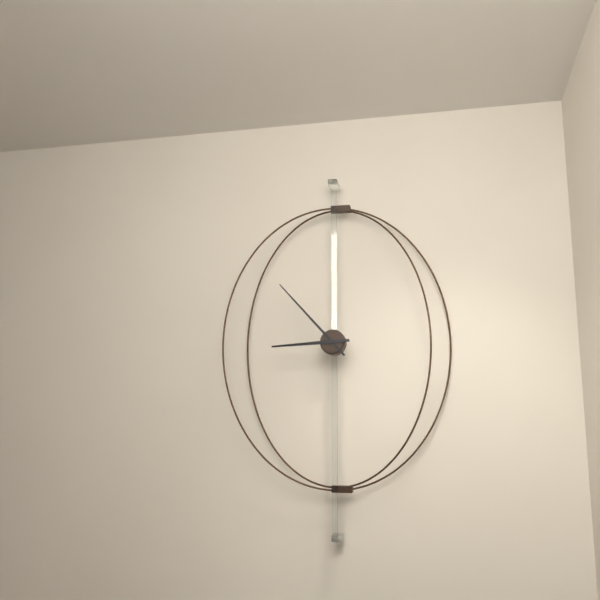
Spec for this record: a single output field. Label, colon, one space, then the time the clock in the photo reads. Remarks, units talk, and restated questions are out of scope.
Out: 8:53
